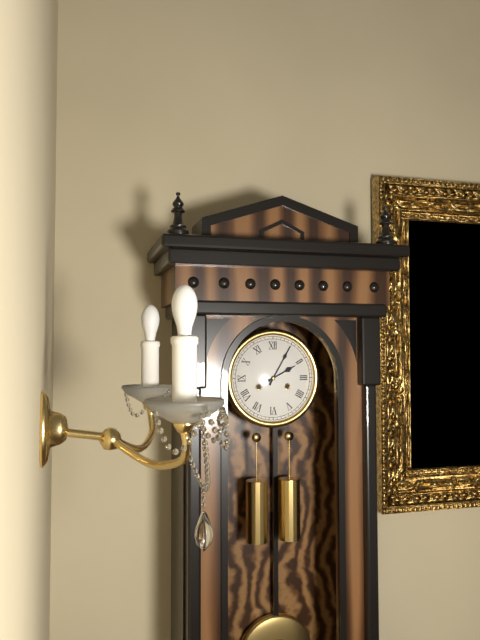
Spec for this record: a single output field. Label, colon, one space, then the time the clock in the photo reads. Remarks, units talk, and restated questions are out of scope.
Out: 2:05
